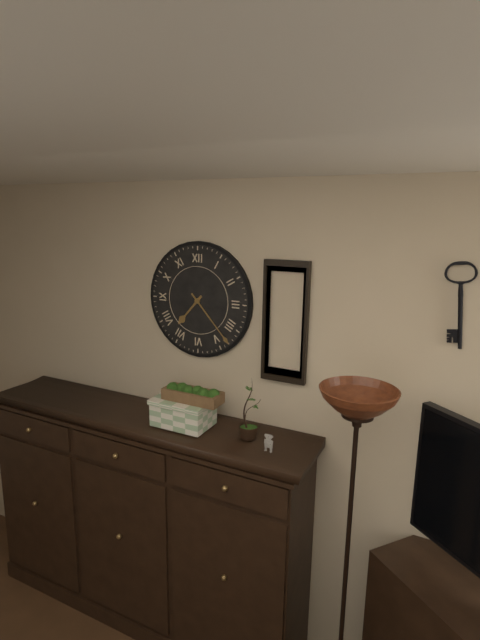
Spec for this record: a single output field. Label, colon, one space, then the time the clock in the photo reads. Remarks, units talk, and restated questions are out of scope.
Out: 7:23
